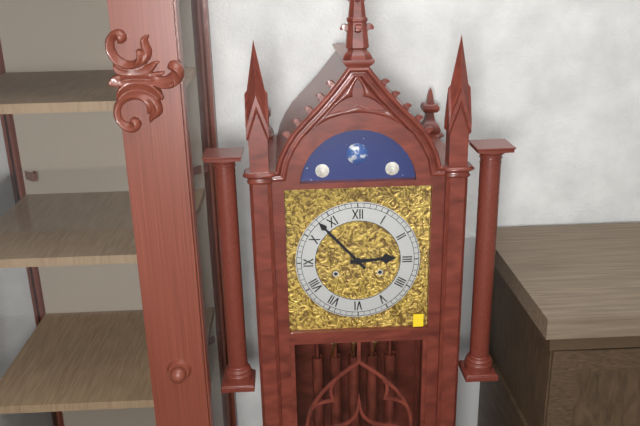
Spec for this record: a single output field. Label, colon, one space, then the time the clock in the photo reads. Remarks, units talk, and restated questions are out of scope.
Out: 2:53
